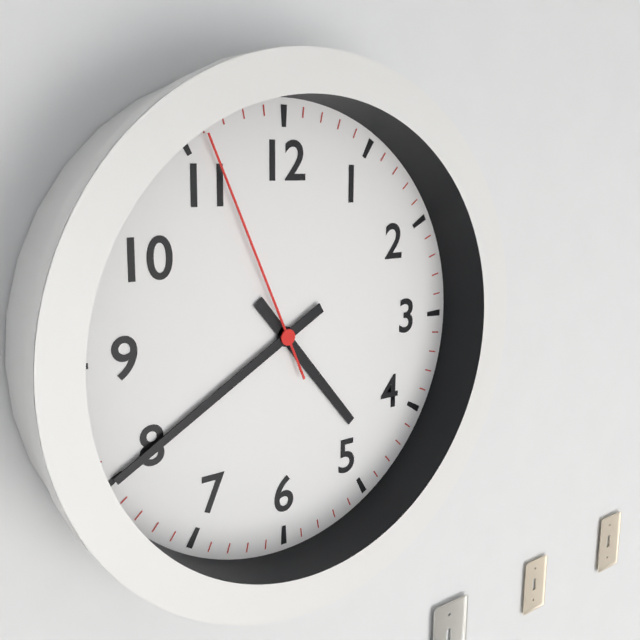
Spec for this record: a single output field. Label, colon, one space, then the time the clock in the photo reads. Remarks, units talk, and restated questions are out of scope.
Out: 4:40:56
